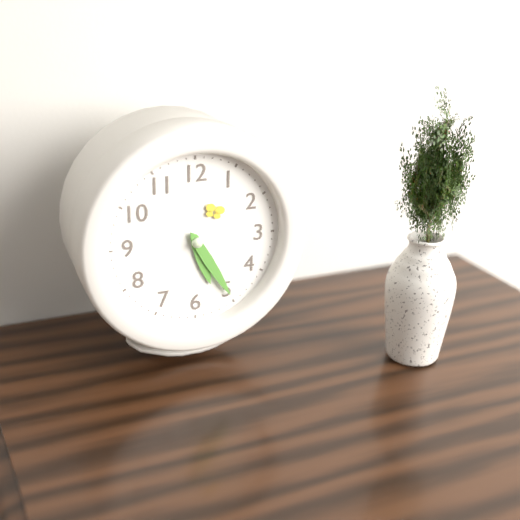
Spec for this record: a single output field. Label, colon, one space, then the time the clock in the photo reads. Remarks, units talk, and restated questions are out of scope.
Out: 5:25
